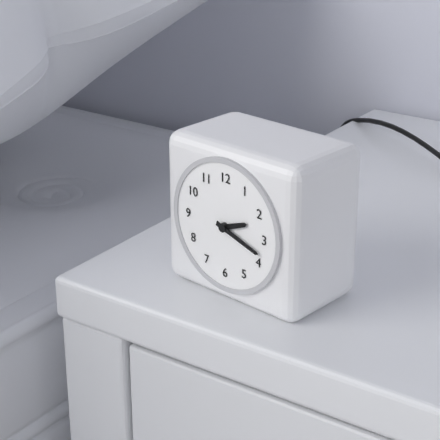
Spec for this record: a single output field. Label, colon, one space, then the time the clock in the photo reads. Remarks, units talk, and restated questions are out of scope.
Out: 2:18
